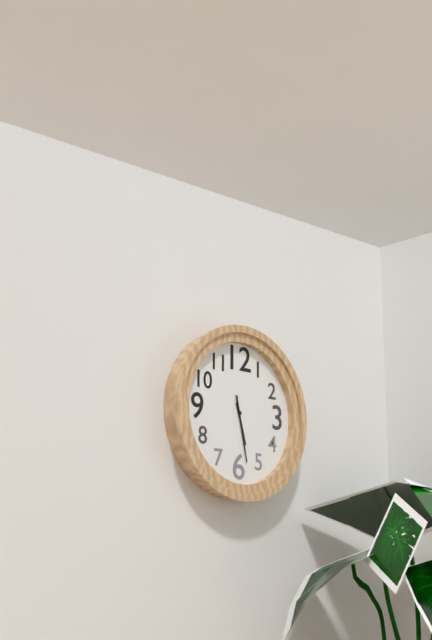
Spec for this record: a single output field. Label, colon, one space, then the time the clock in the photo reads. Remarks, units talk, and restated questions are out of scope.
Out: 5:28
